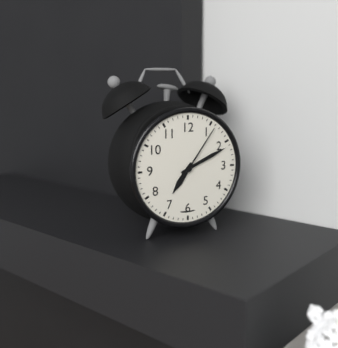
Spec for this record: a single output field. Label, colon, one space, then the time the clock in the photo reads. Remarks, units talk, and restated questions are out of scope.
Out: 7:11:06
